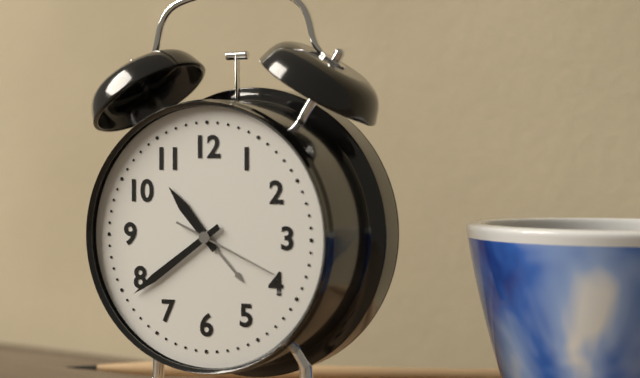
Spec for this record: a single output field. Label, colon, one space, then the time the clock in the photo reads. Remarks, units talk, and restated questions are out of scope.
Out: 10:39:19
